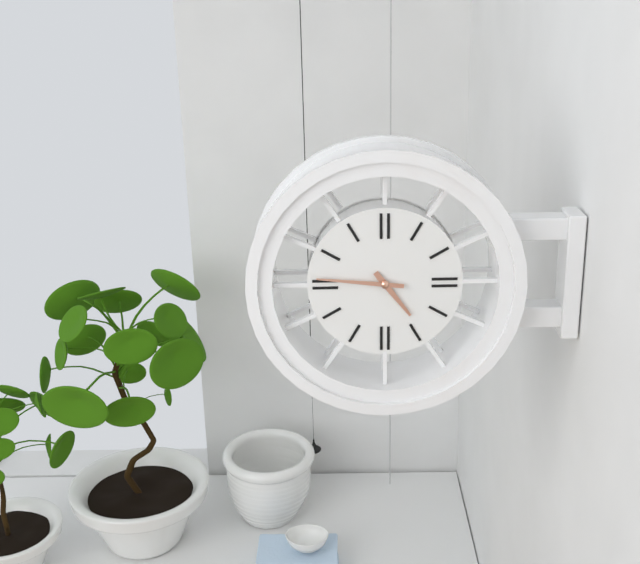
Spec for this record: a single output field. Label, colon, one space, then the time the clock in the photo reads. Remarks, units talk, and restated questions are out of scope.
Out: 4:46
